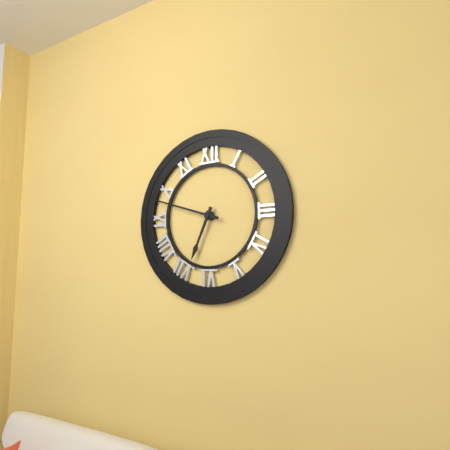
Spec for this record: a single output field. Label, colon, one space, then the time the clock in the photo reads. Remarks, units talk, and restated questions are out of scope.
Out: 6:48
